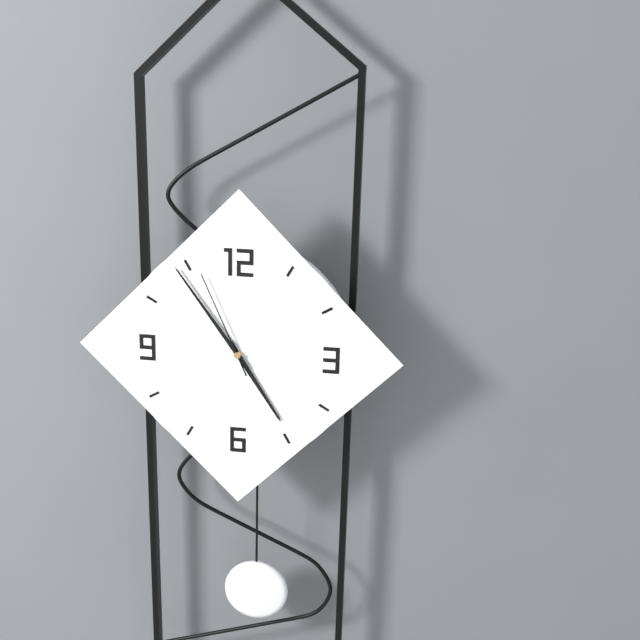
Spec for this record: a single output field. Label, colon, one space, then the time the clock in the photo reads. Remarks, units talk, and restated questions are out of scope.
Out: 4:54:56
